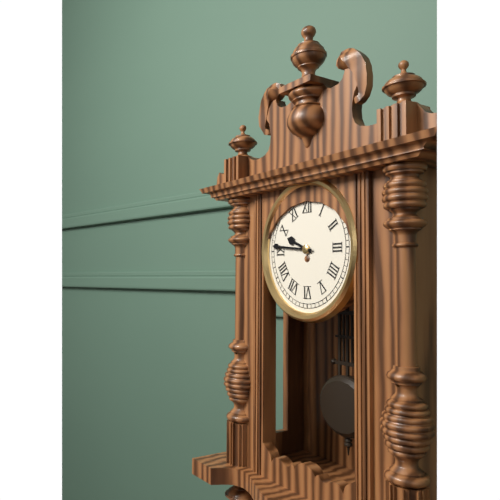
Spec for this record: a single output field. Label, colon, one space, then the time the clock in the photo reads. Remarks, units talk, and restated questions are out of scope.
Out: 9:46
